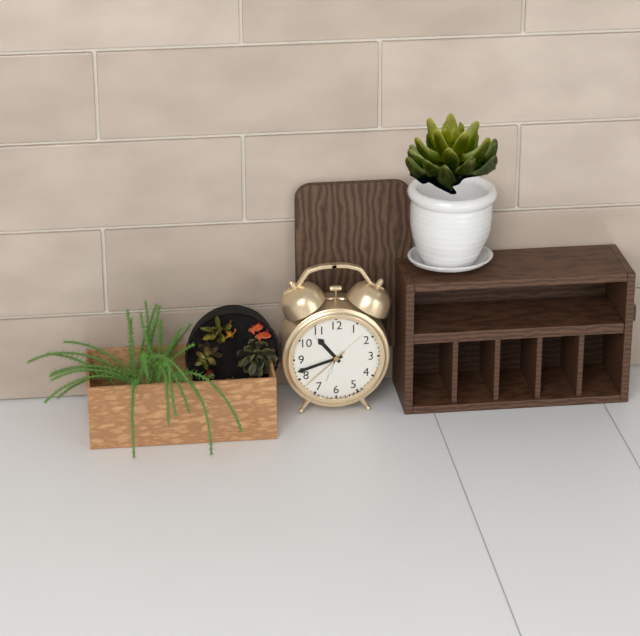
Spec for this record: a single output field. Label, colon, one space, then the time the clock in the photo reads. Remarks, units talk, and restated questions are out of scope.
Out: 10:42:38
